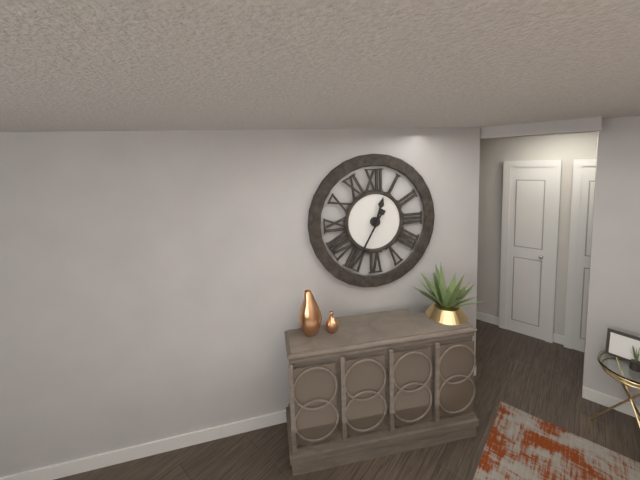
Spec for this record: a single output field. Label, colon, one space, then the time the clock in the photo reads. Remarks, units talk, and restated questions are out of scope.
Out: 12:35
